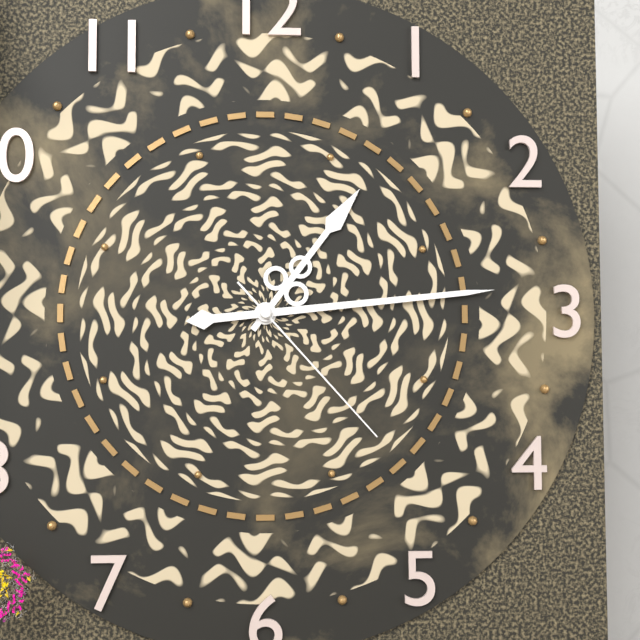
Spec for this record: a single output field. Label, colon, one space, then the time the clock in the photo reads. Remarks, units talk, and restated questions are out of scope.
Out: 1:14:23
